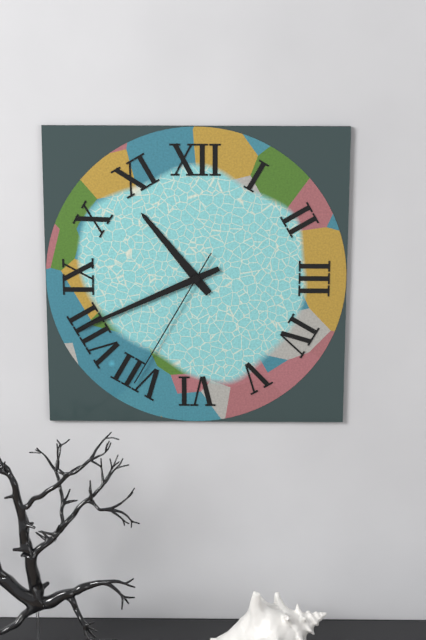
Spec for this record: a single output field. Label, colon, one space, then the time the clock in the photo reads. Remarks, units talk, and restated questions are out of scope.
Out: 10:41:35
